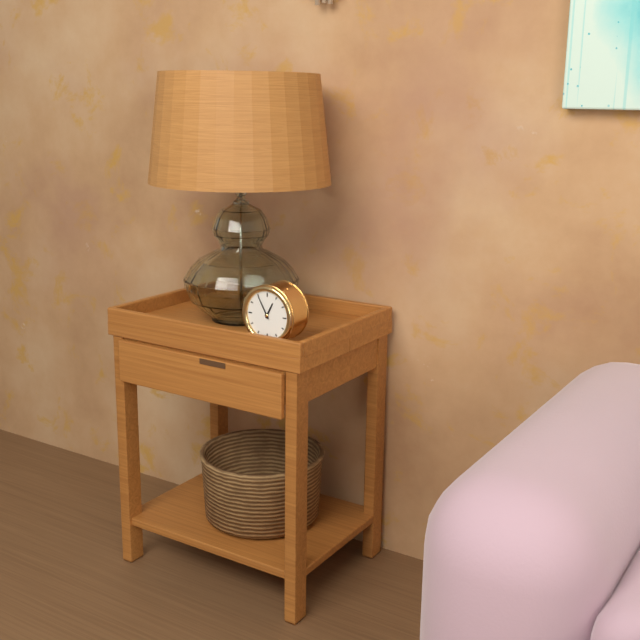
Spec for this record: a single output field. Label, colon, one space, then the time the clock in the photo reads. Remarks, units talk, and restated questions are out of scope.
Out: 12:55
